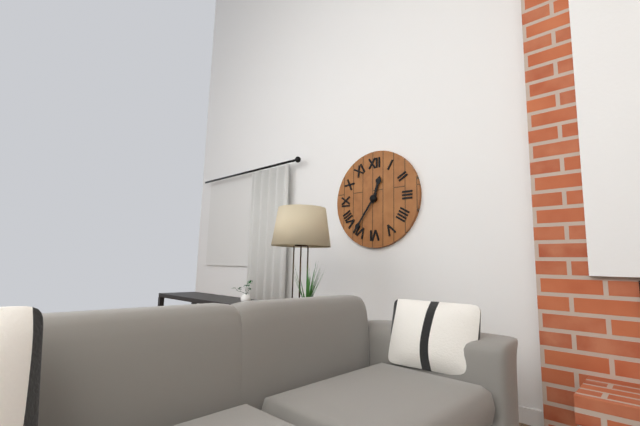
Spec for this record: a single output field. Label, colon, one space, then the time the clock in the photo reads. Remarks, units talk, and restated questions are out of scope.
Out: 12:36
